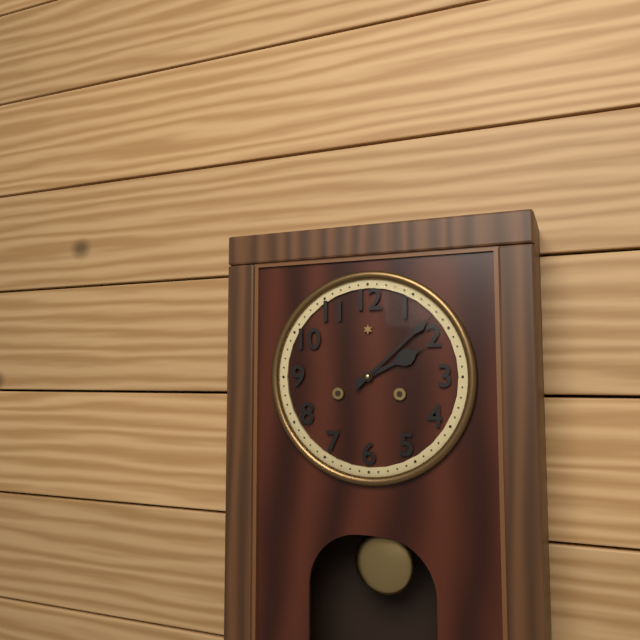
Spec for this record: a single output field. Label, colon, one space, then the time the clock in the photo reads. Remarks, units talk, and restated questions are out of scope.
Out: 2:08
